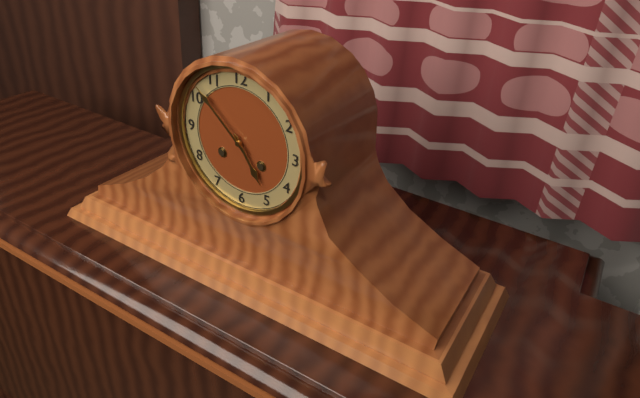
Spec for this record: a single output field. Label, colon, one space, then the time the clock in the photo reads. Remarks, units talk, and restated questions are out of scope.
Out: 4:52
